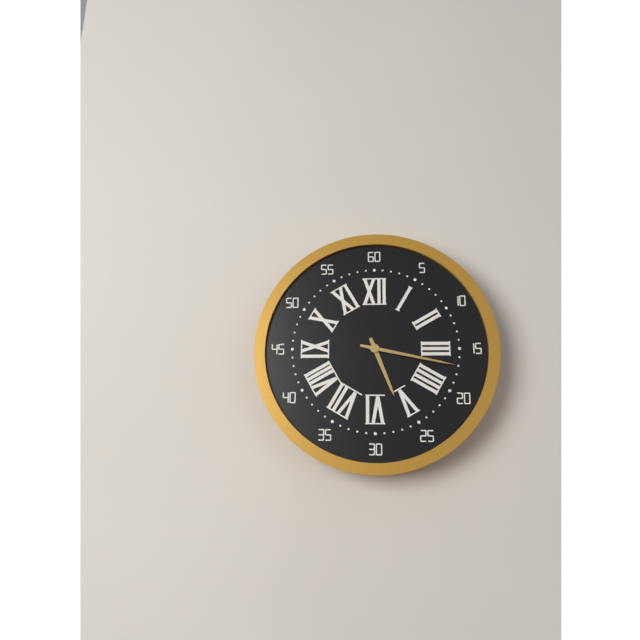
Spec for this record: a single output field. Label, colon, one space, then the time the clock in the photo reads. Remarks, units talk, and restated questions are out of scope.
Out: 5:17
